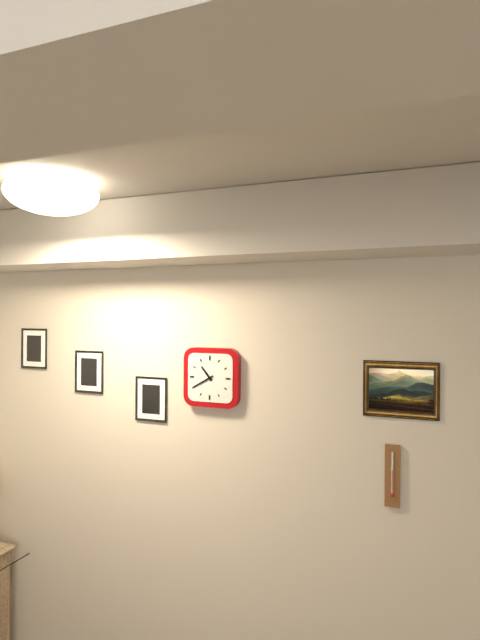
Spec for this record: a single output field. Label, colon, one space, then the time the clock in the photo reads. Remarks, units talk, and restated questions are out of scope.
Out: 10:40
